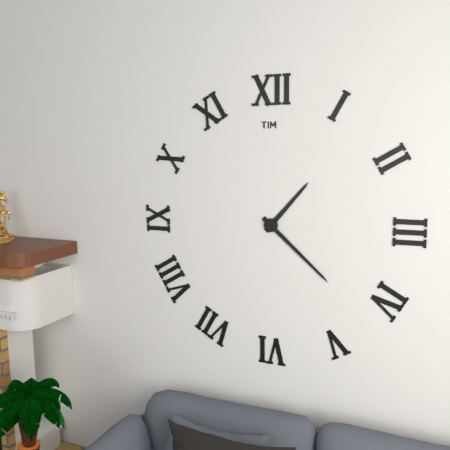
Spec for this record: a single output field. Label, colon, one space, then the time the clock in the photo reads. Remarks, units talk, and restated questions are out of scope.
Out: 1:22
